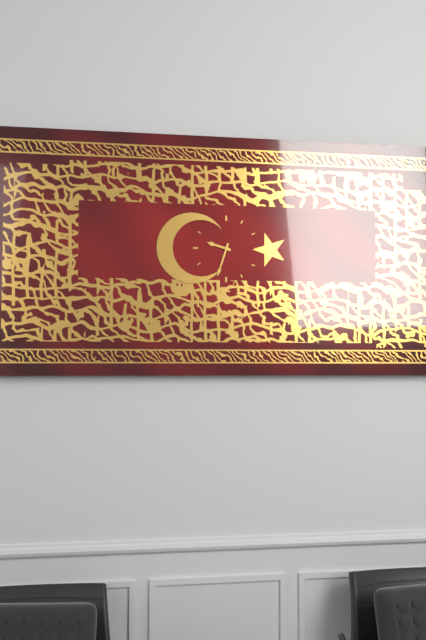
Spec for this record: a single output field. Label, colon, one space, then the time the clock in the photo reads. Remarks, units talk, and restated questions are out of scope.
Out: 9:33
